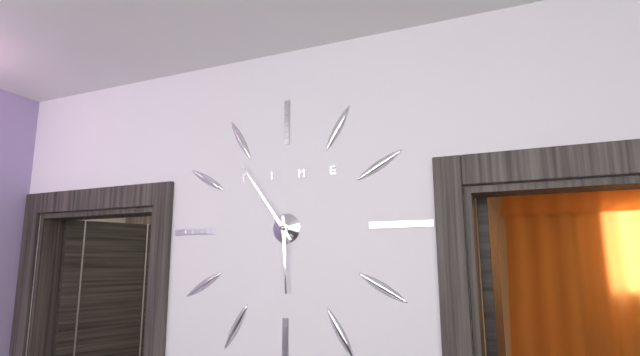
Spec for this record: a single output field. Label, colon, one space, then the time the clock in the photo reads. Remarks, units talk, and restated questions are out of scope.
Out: 5:54
